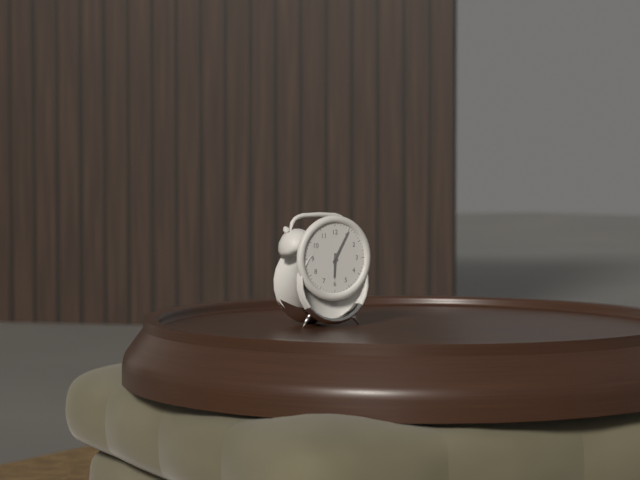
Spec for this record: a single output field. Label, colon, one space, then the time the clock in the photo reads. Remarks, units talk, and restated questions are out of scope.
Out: 6:05
